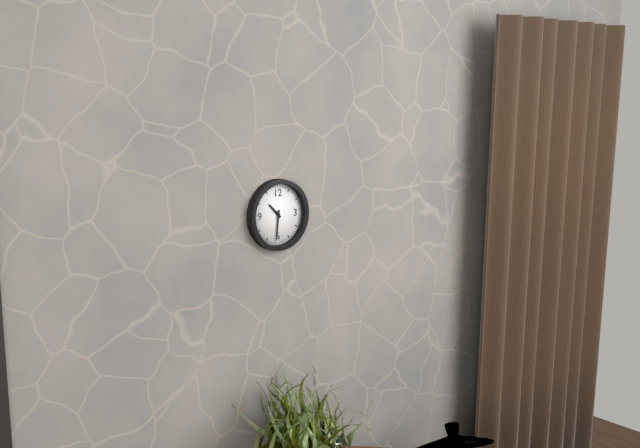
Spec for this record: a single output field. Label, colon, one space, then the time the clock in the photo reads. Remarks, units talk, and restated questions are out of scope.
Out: 10:31
